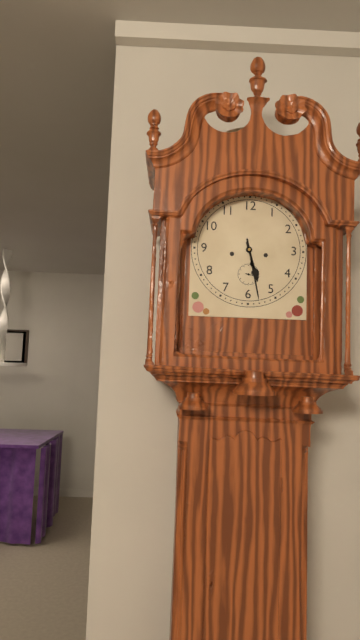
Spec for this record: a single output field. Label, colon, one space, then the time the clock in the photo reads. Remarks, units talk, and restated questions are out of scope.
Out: 5:28
